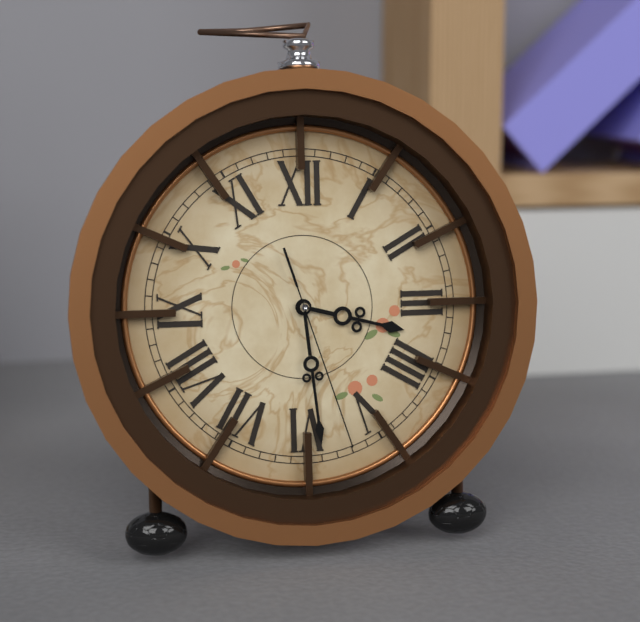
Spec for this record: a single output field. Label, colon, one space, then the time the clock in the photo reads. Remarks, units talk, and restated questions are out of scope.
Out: 3:29:27
